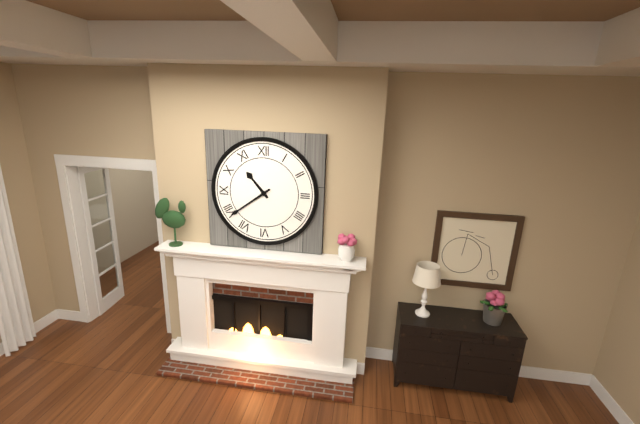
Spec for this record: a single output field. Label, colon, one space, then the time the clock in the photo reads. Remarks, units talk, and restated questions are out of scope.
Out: 10:39
